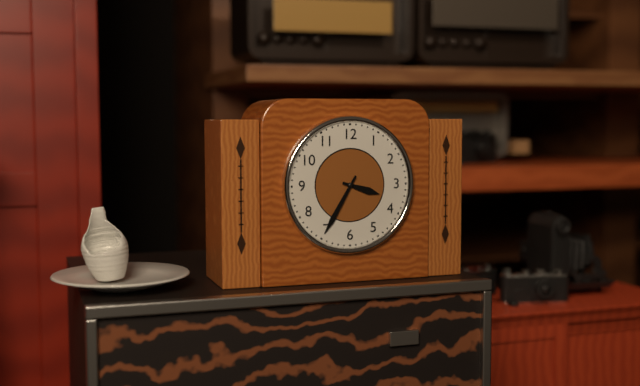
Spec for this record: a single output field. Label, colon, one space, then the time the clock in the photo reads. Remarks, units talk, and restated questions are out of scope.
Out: 3:35
